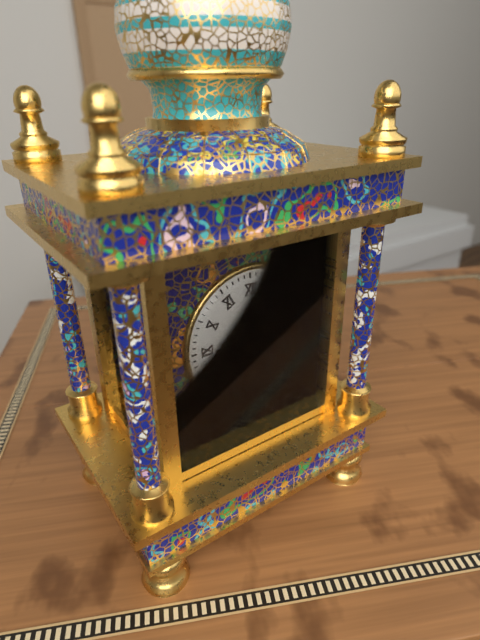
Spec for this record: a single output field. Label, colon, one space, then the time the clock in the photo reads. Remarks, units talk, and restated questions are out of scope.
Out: 4:26:34
